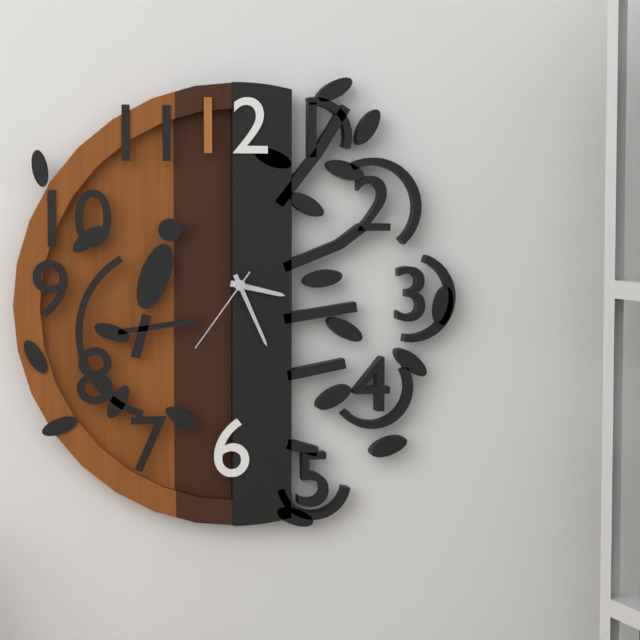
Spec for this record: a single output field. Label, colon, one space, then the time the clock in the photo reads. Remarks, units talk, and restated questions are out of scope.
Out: 3:26:36
